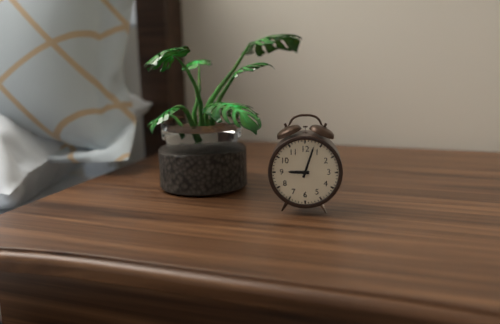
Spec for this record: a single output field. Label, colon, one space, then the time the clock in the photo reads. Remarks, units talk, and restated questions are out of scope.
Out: 9:03
